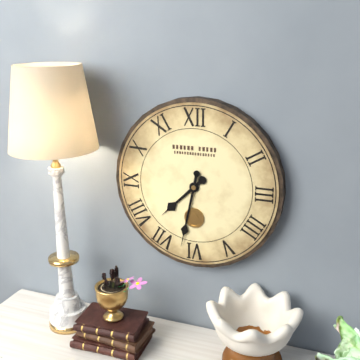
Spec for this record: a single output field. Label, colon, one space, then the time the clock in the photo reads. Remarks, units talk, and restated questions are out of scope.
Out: 7:32
